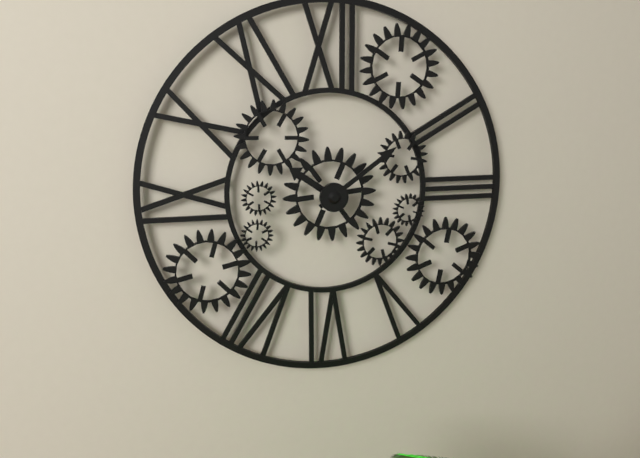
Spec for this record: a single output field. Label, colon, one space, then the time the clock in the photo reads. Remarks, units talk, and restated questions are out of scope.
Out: 10:09
